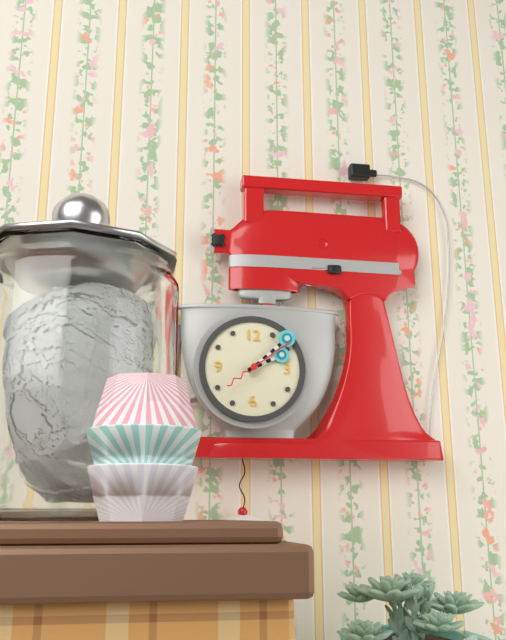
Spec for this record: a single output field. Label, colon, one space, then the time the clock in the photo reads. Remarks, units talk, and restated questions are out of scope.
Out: 2:08:09
